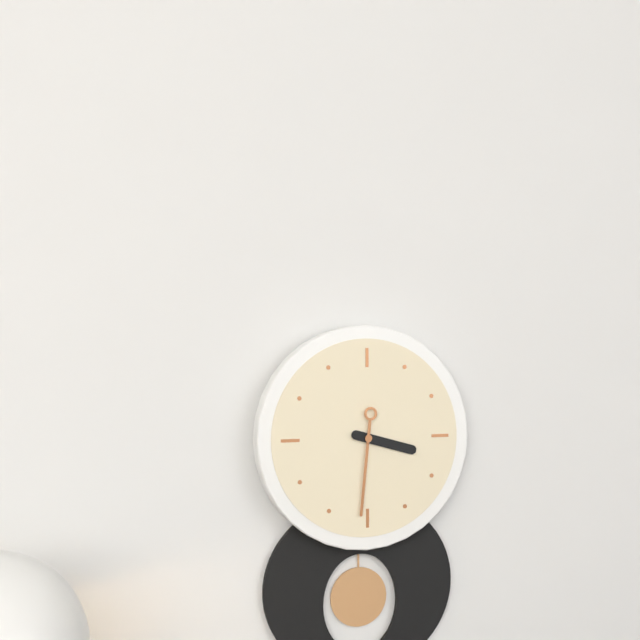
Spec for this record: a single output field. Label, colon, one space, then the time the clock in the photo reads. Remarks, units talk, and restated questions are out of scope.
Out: 3:31
